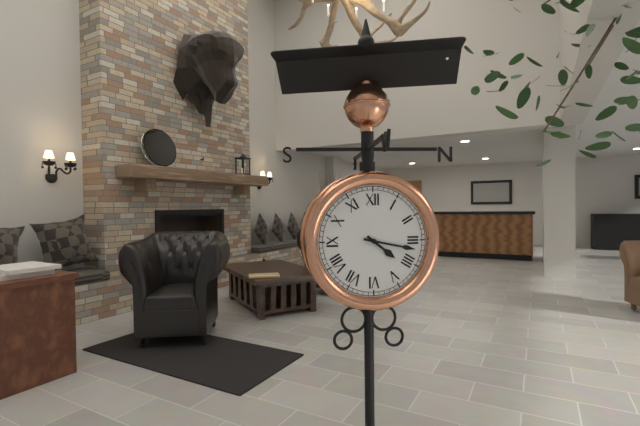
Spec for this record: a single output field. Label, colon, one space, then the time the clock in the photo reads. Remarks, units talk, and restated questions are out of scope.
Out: 4:17
